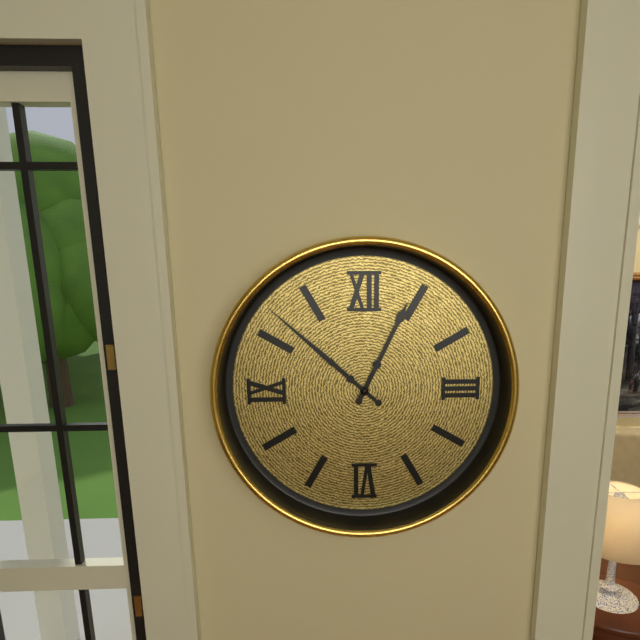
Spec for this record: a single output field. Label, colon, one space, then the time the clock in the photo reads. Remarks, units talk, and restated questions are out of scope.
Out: 12:52
